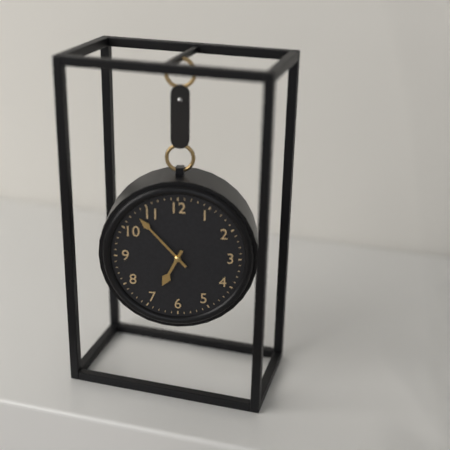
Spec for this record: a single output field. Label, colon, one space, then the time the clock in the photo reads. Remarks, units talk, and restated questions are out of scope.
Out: 6:53
